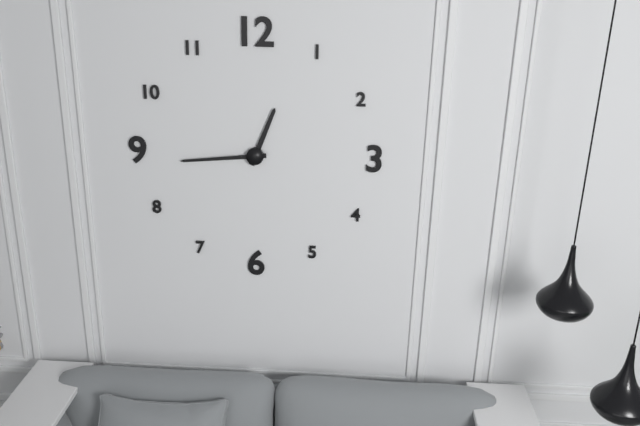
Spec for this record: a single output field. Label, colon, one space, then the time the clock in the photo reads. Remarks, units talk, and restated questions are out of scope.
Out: 12:44
